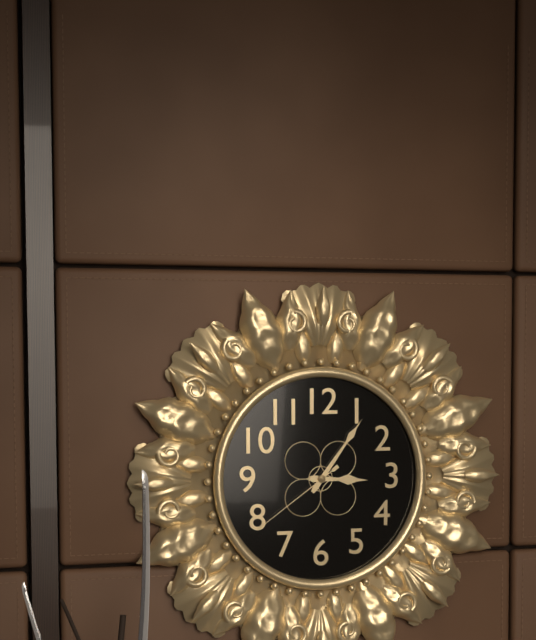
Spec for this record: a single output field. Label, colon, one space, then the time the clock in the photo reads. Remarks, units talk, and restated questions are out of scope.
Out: 3:06:39
